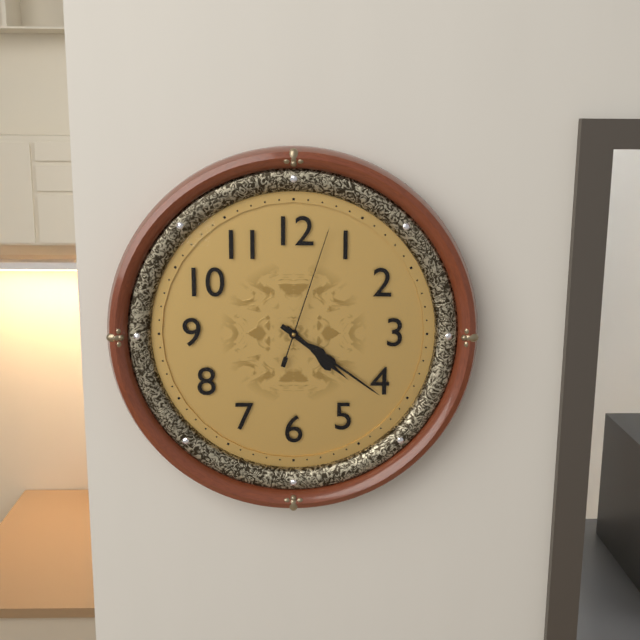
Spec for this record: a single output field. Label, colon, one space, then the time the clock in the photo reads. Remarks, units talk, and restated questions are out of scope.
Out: 4:21:03
